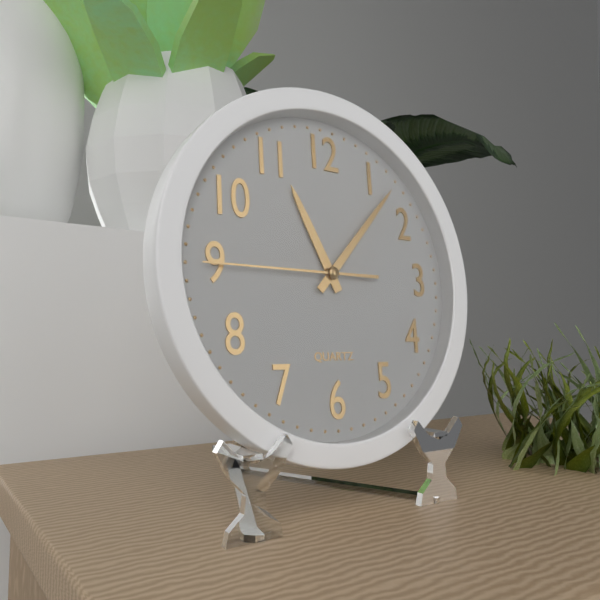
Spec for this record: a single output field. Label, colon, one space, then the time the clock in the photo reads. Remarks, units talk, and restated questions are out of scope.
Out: 11:07:45
